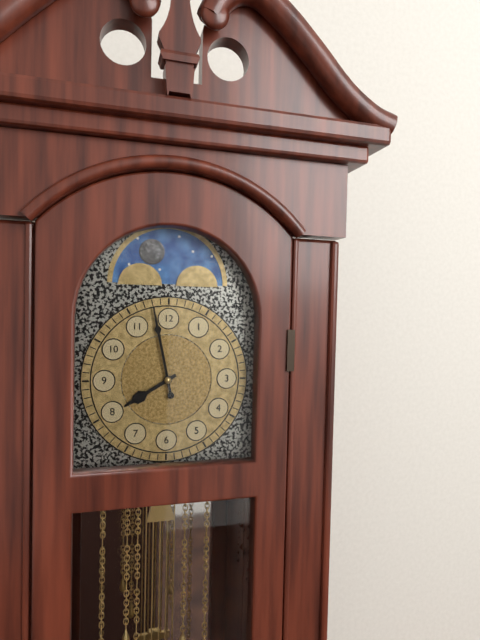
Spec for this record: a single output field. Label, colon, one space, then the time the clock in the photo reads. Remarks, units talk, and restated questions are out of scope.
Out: 7:58
